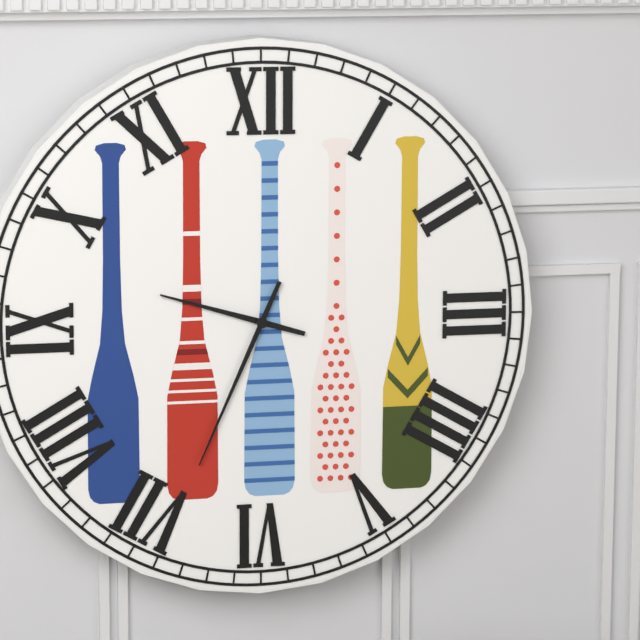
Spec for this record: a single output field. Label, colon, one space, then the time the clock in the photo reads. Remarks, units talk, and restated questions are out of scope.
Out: 9:34
